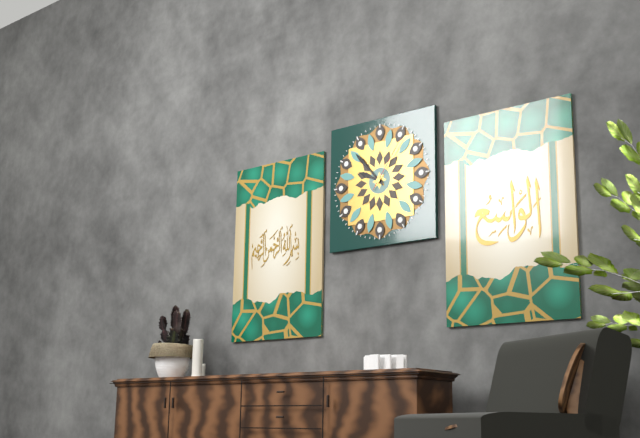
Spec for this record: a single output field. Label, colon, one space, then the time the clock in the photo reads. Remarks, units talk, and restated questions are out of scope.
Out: 9:53:06
